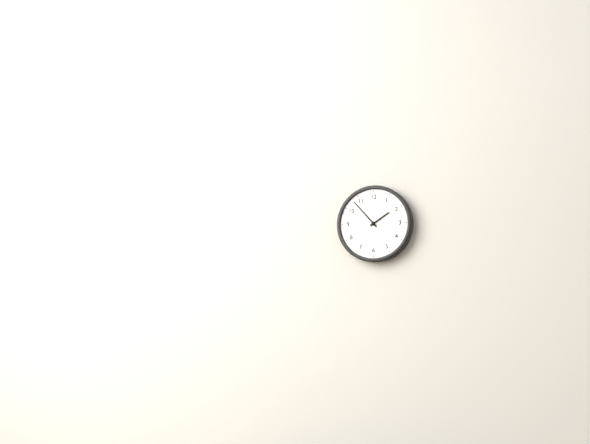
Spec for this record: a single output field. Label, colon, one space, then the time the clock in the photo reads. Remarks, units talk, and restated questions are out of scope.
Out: 1:53
